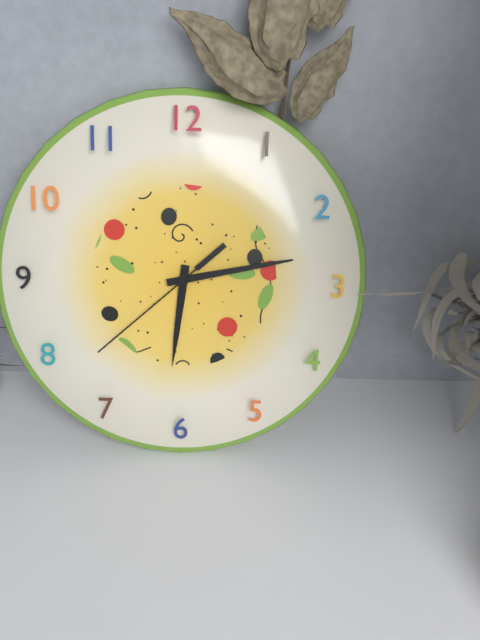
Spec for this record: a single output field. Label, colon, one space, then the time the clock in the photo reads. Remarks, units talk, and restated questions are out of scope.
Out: 6:13:38
